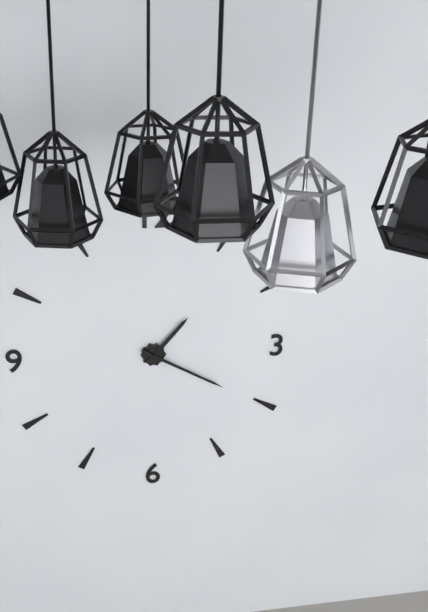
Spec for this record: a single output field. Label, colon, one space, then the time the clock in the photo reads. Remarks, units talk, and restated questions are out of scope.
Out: 1:20
